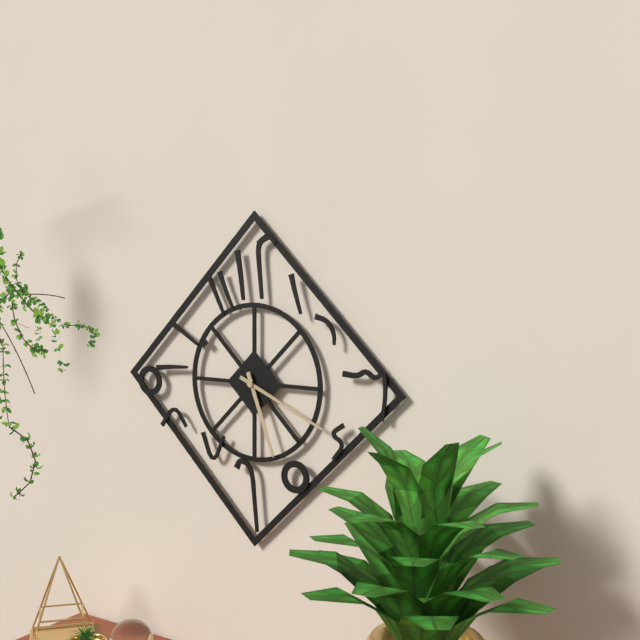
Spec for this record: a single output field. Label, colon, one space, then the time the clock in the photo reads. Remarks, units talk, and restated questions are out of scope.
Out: 5:19
